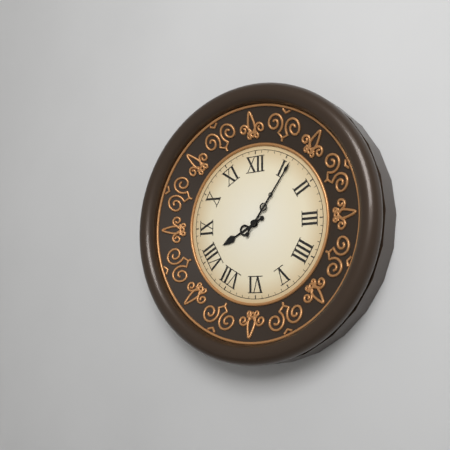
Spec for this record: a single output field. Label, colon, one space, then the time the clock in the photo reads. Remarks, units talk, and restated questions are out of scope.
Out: 8:06
